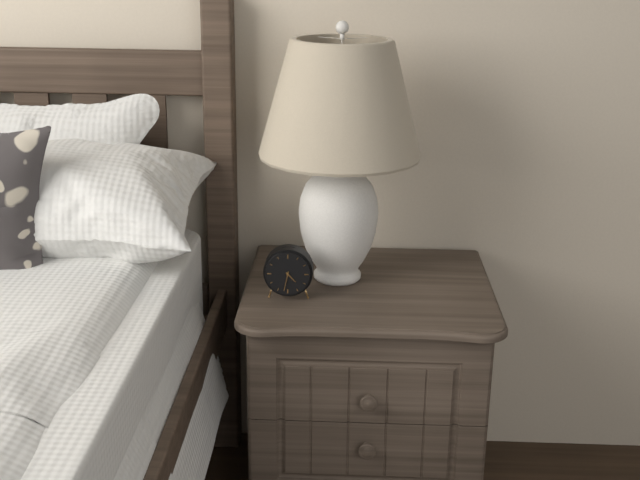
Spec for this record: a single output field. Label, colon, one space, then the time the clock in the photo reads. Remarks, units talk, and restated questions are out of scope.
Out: 4:32
